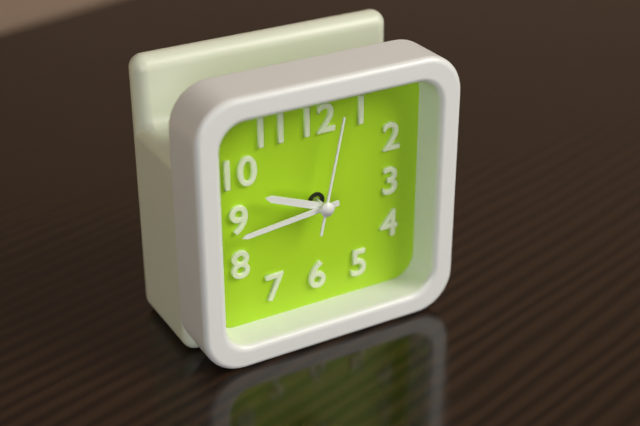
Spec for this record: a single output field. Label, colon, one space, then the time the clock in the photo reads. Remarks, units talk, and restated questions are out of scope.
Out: 9:44:02
